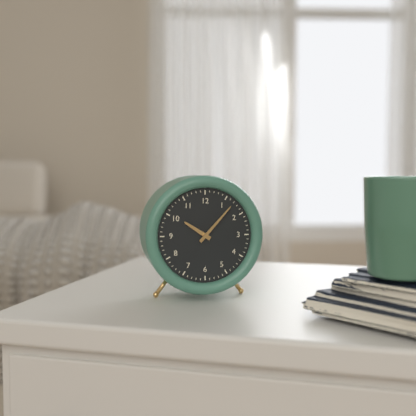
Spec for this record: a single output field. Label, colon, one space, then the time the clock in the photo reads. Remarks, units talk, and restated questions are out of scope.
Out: 10:07
